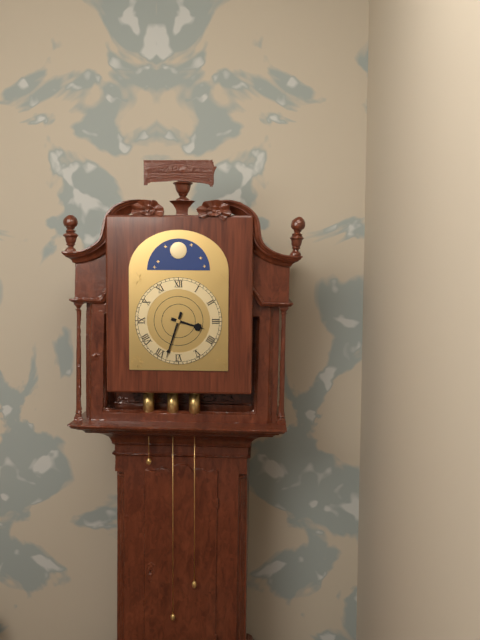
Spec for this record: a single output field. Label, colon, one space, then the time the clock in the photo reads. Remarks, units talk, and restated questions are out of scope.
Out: 3:33
